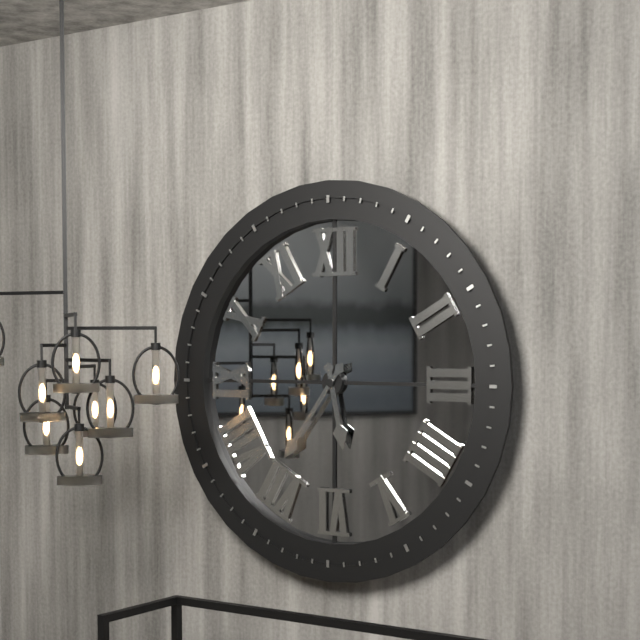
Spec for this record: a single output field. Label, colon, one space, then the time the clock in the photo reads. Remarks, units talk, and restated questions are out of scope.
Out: 5:36
